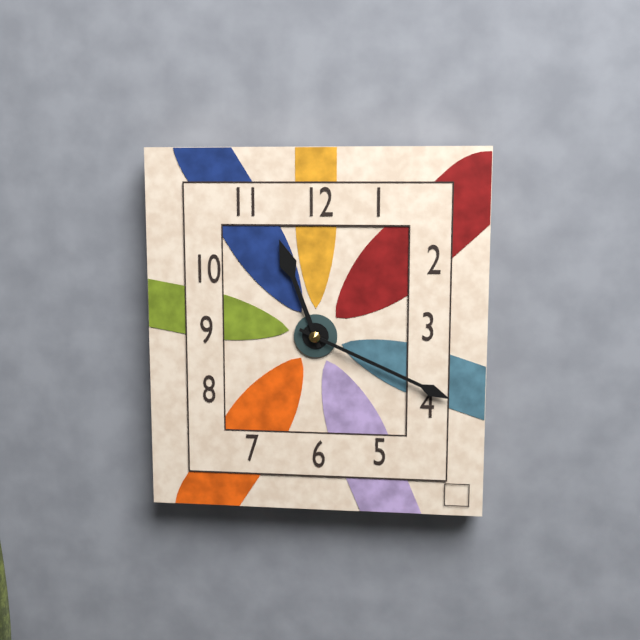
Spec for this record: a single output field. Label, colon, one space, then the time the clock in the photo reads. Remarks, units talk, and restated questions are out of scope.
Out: 11:19
